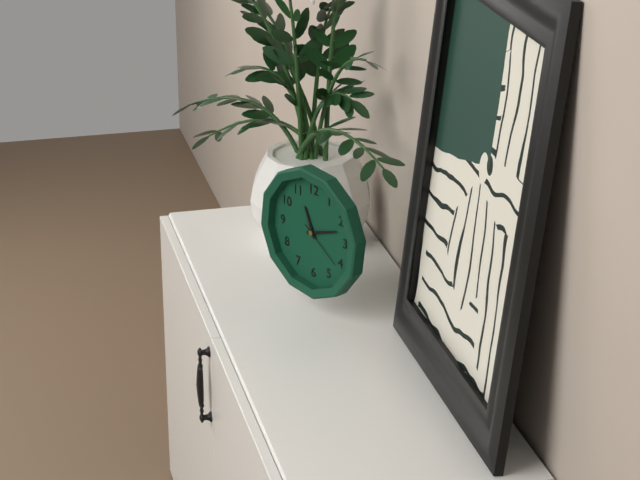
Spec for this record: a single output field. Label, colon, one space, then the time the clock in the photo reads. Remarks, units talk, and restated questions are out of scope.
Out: 11:12:21
